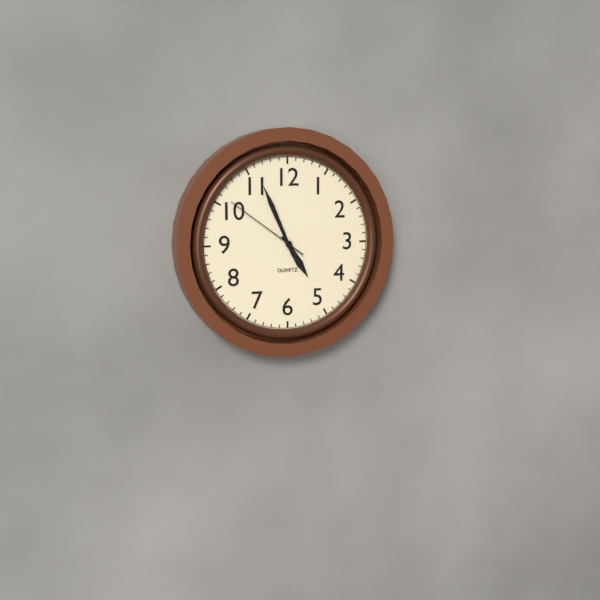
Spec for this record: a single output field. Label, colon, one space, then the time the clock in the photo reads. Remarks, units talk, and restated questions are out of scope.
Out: 4:56:51
